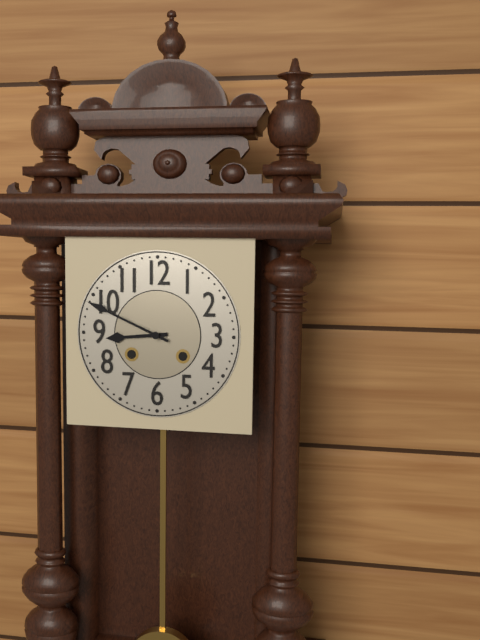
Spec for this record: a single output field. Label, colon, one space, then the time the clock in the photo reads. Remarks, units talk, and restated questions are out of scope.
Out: 8:49
